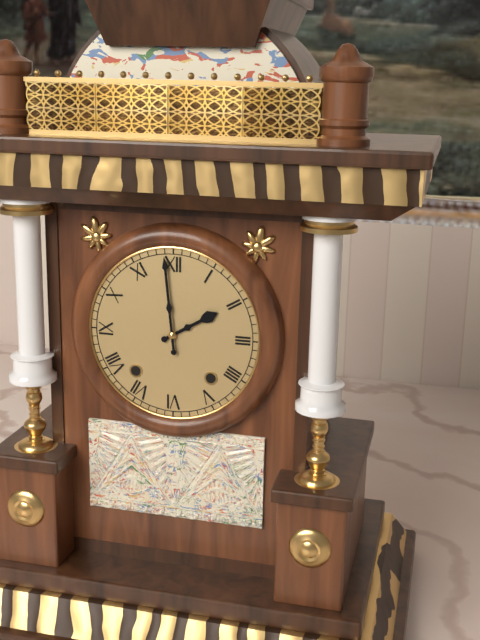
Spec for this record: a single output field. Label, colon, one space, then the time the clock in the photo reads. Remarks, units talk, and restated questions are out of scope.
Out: 1:59
